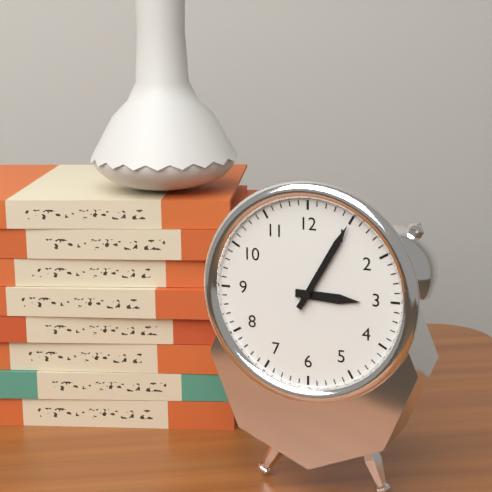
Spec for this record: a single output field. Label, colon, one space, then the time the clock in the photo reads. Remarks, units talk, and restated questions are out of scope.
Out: 3:05
